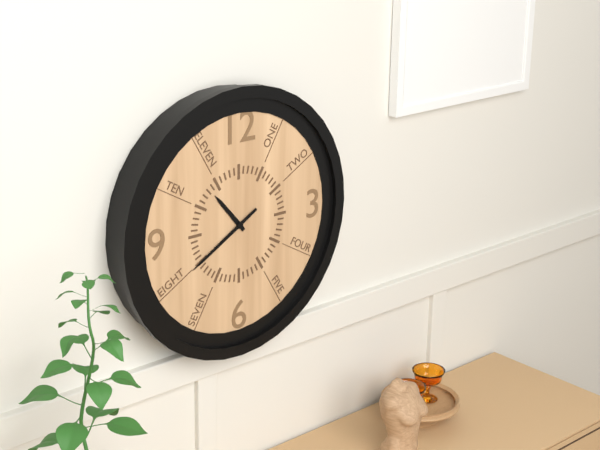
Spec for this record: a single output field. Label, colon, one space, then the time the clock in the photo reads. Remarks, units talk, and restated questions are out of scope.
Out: 10:40
